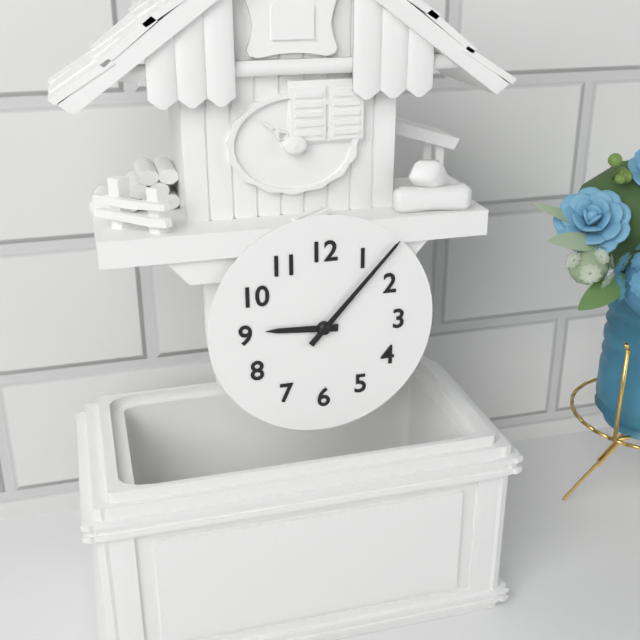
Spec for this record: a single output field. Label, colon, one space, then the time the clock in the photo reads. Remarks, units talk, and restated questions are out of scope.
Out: 9:07
